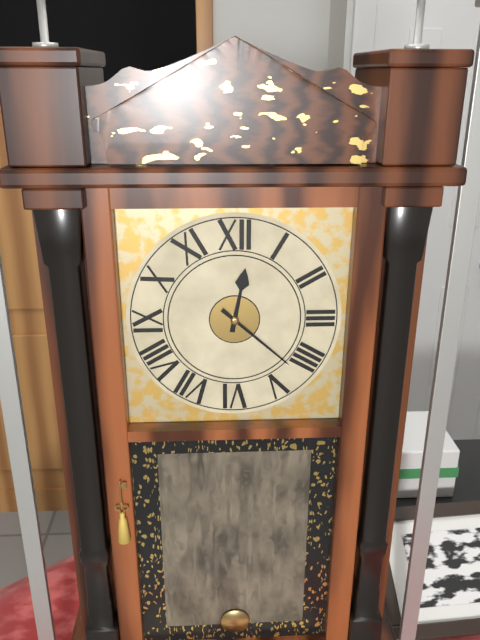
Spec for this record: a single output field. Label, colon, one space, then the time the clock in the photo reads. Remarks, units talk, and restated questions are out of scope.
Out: 12:22
